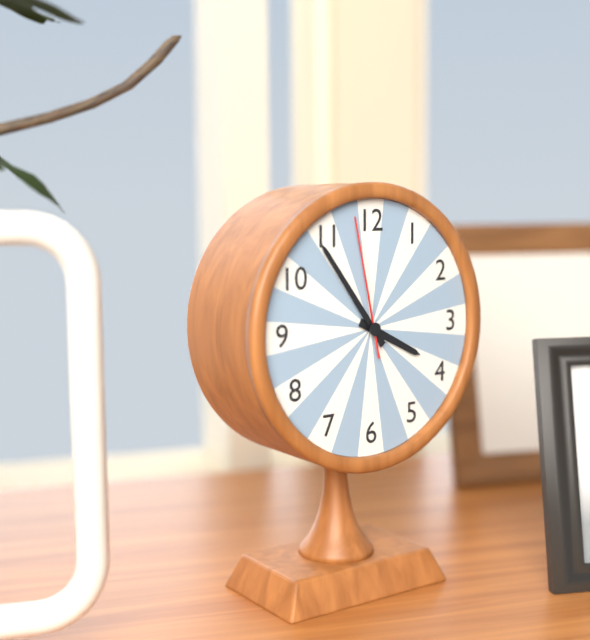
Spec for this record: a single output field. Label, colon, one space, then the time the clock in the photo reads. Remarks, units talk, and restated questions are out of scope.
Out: 3:54:58
